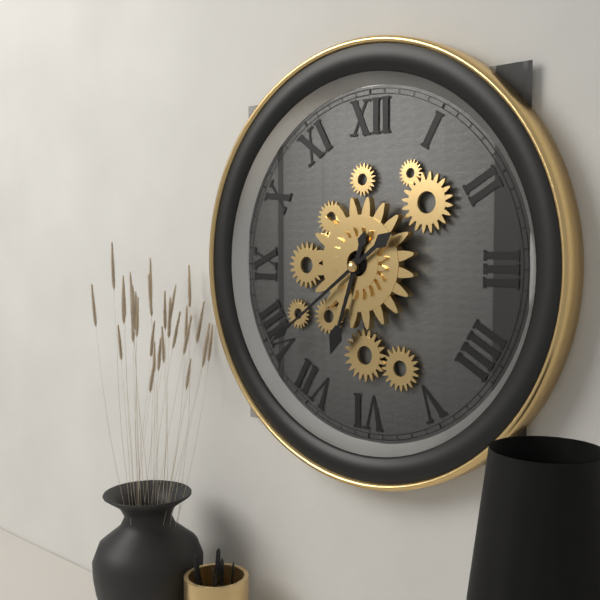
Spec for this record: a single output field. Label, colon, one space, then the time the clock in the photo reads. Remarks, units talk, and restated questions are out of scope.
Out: 6:39
